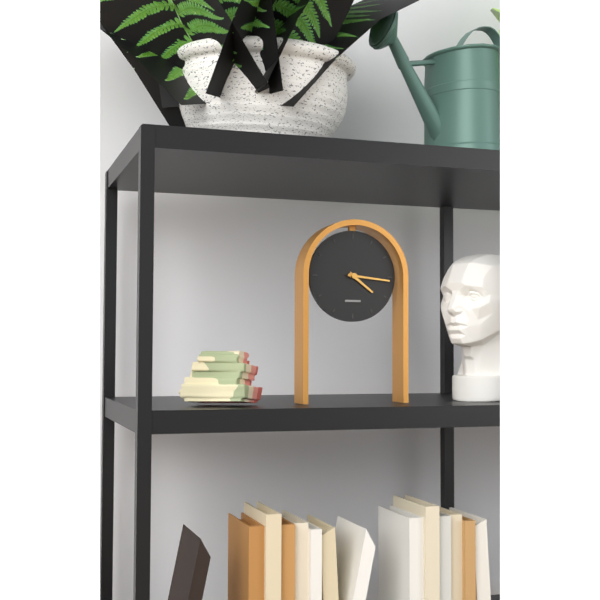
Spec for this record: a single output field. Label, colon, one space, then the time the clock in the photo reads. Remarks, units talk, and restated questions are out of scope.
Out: 4:16
